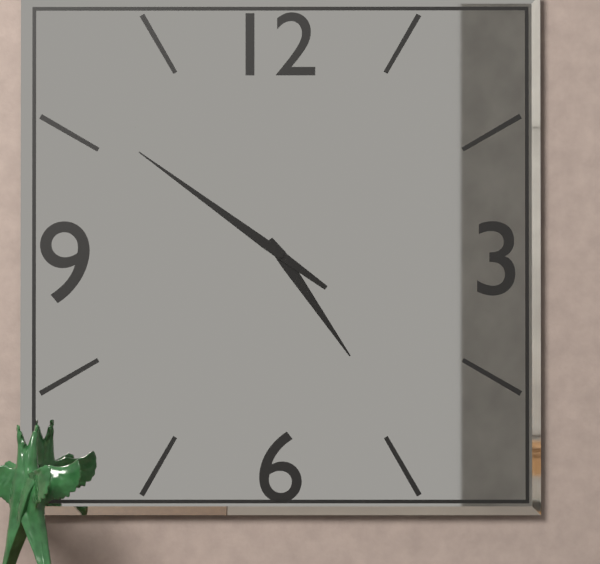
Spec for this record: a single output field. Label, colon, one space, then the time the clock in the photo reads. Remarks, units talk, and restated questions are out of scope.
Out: 4:51
